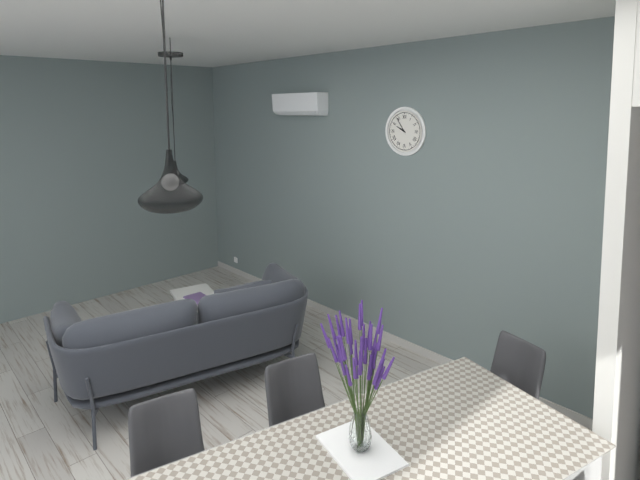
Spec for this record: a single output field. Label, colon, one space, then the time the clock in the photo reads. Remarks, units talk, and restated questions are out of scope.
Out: 9:54
